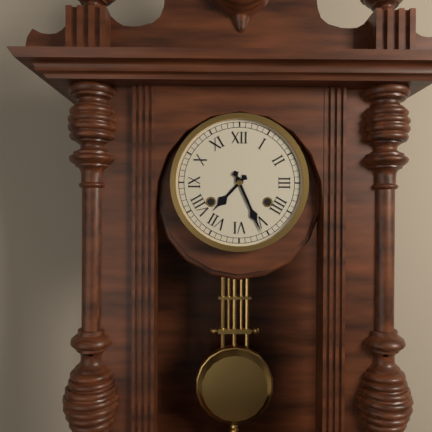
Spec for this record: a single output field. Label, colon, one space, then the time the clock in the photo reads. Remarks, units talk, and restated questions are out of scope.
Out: 7:26
